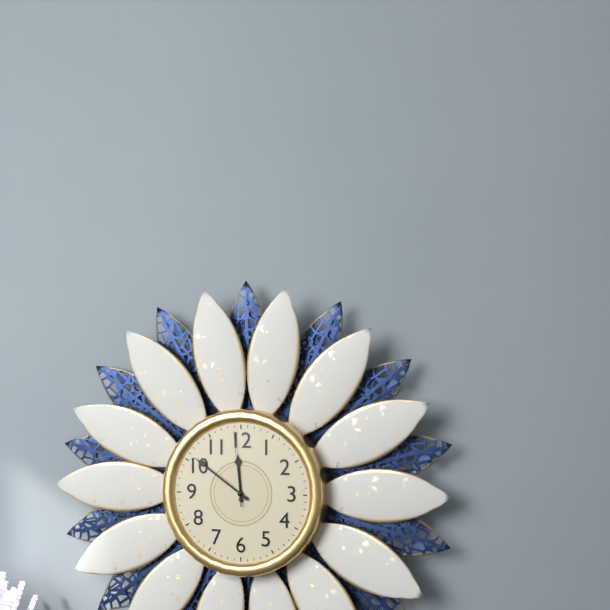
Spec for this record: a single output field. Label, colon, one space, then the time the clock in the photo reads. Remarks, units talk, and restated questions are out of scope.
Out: 11:51:59
